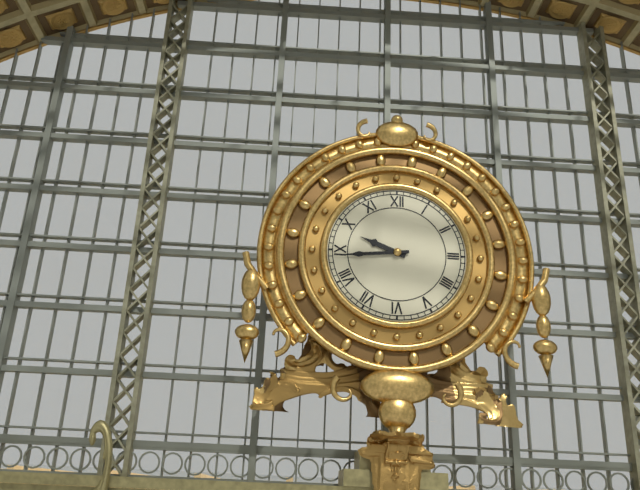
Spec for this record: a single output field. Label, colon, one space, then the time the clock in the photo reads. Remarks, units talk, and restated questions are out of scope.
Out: 9:44
